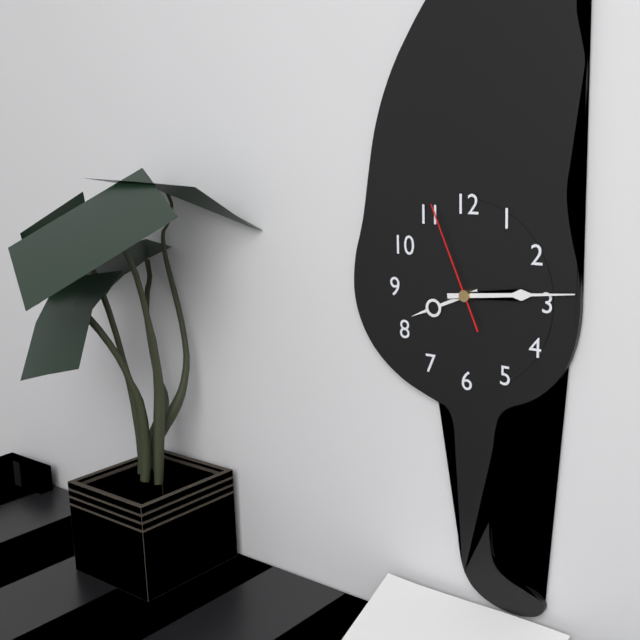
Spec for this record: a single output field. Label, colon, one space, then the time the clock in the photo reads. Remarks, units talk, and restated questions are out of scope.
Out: 8:14:56
